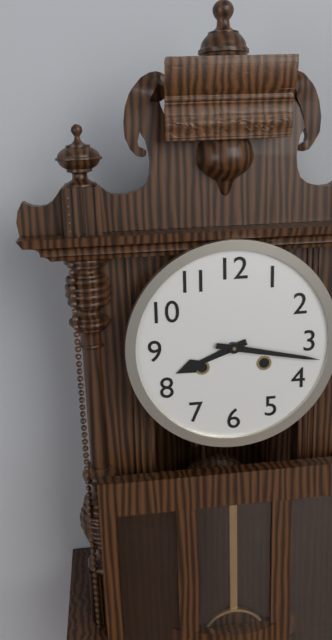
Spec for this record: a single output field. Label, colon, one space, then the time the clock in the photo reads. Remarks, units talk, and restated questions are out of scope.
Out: 8:17
